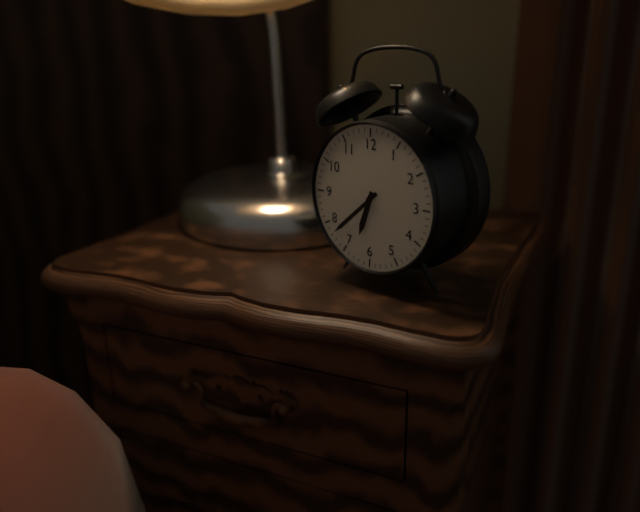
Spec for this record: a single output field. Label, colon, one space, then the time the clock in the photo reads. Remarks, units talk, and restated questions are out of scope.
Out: 6:38
